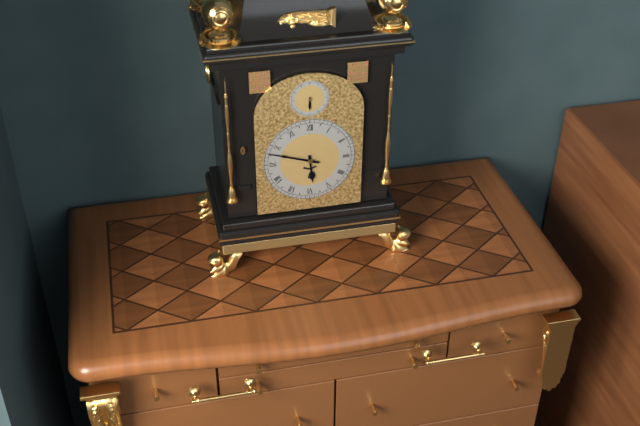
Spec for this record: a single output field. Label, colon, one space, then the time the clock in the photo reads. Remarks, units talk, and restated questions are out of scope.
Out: 5:48
